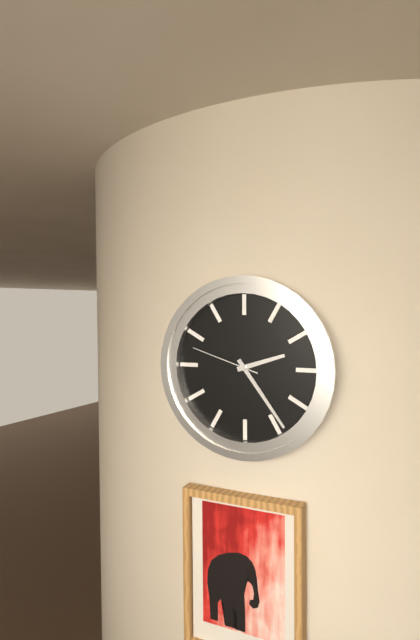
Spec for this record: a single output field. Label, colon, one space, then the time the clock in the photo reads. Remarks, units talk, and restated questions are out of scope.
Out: 2:24:48
